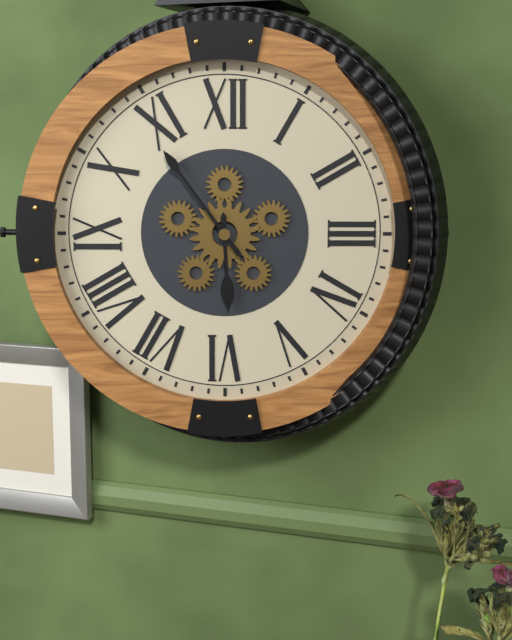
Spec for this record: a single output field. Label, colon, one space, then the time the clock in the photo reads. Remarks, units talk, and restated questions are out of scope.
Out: 5:54
